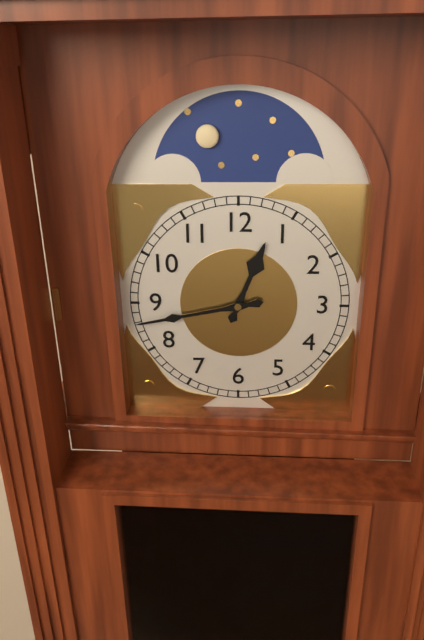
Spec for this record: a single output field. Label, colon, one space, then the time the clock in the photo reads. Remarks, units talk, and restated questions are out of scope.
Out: 12:43
